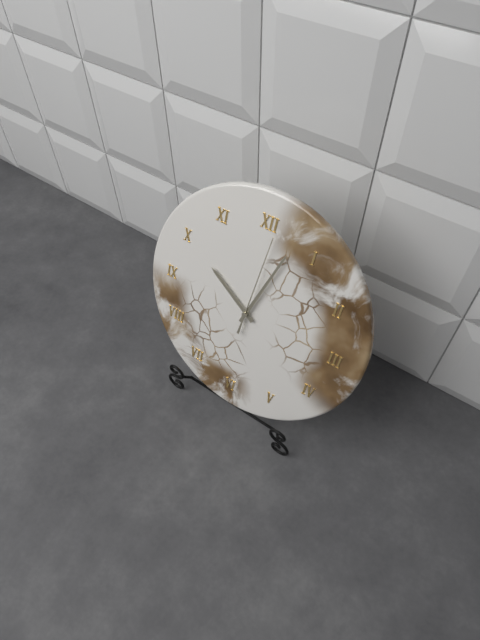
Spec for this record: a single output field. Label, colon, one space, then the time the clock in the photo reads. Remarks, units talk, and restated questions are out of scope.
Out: 10:03:01
